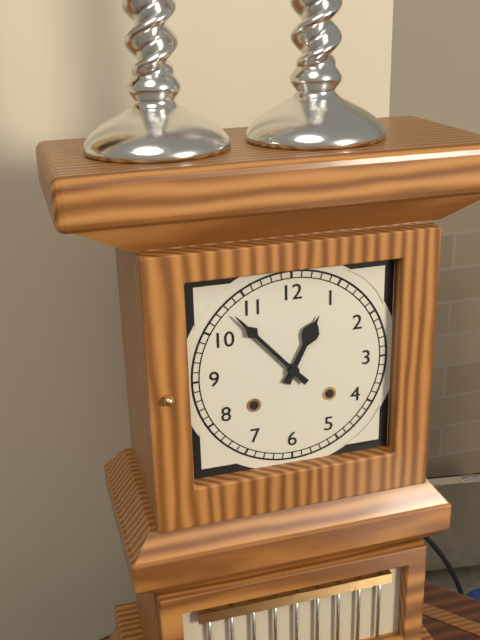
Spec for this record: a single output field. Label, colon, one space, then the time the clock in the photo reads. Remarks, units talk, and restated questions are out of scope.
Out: 12:53
